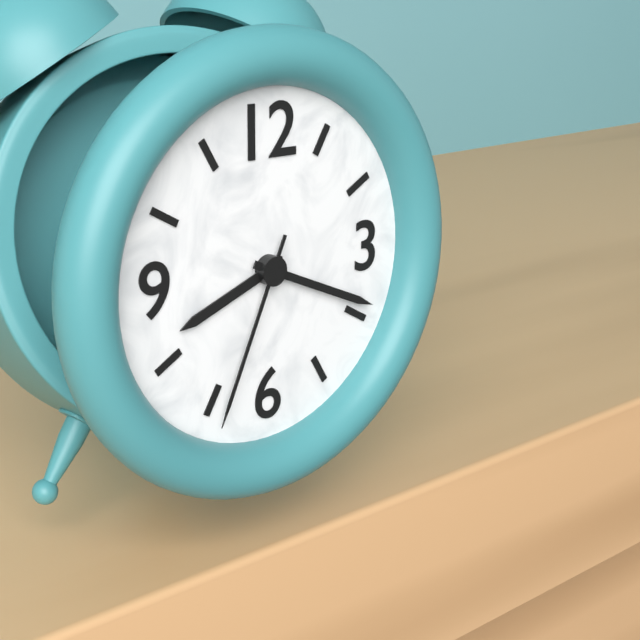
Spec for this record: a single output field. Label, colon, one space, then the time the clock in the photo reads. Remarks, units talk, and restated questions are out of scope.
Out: 8:19:34
